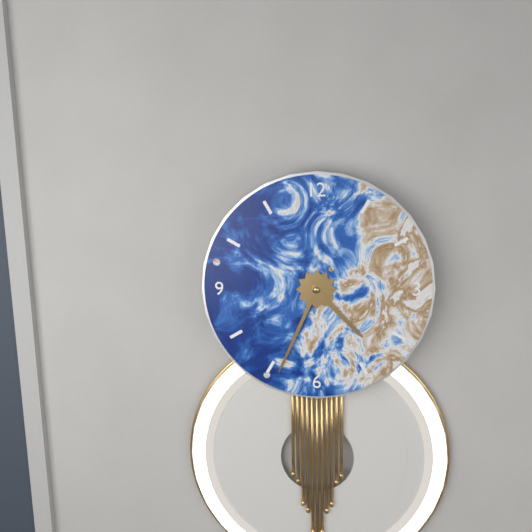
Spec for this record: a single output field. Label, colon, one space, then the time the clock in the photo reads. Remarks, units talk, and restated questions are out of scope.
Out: 4:34
